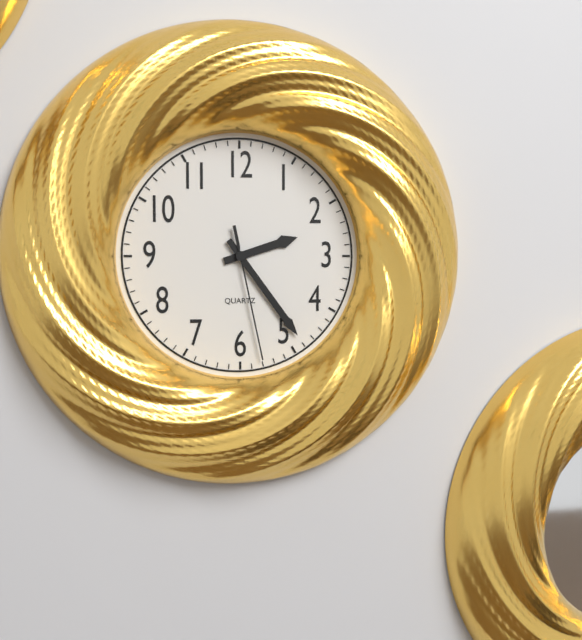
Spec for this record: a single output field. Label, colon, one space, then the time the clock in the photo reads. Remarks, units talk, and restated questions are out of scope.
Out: 2:24:28
